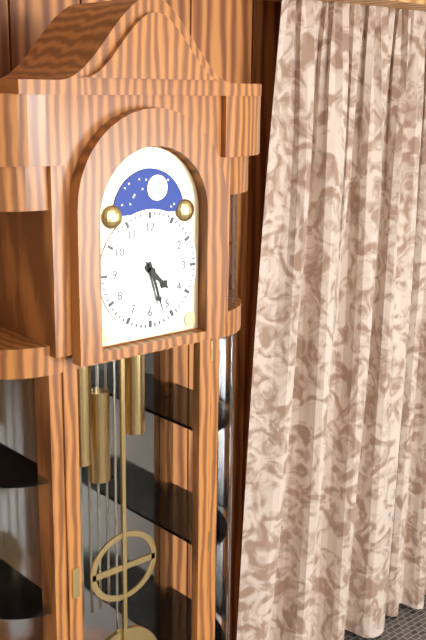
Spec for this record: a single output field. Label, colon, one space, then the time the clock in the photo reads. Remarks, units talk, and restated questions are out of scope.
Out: 4:27
